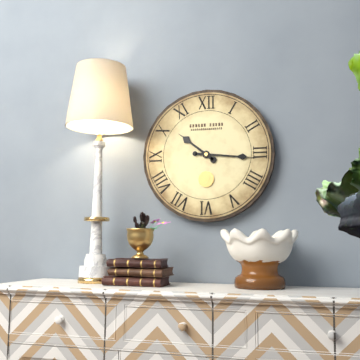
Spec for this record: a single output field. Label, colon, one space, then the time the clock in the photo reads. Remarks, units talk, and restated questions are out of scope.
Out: 10:16
